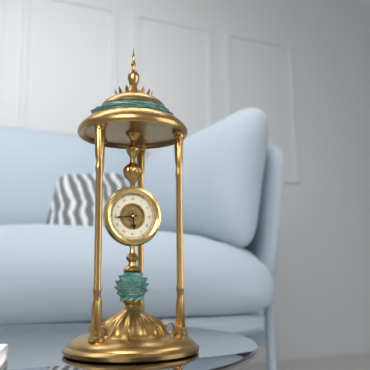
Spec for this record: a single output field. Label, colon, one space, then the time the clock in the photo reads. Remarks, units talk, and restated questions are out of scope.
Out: 5:44
